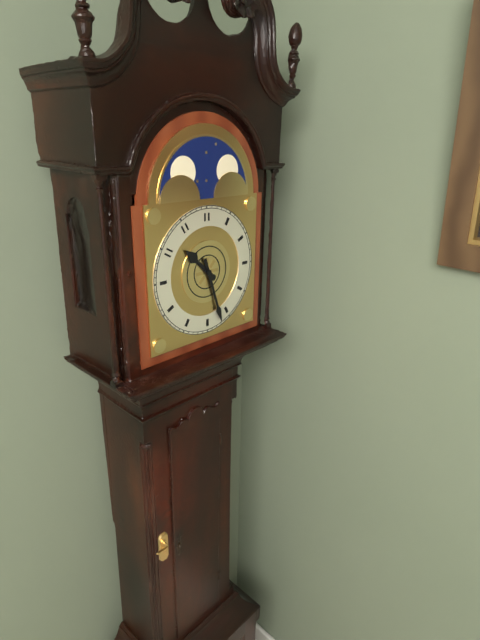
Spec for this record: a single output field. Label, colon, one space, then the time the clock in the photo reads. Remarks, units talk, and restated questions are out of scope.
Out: 10:27
